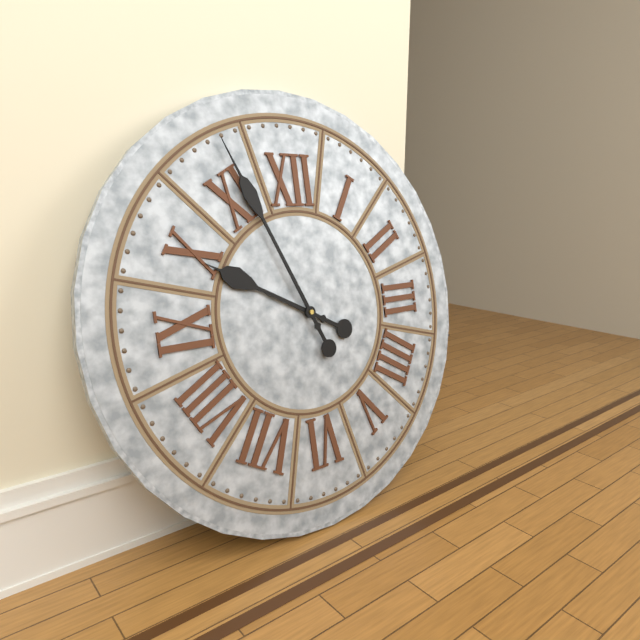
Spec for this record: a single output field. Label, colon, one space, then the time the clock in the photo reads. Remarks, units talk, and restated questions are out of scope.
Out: 9:56
